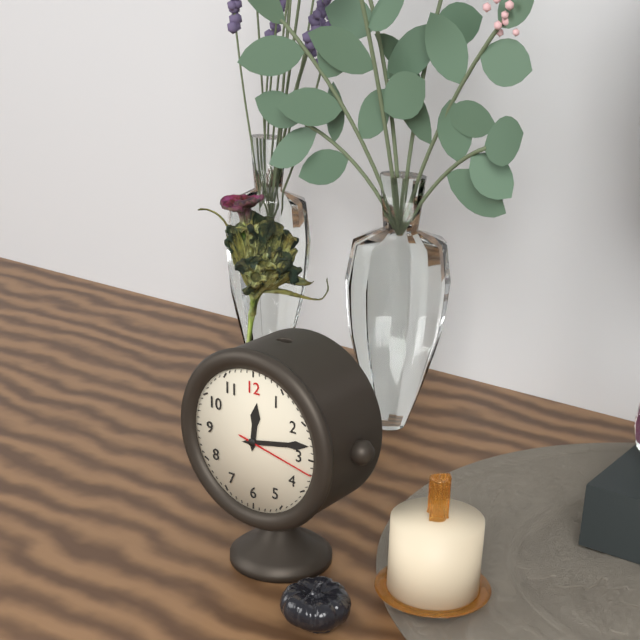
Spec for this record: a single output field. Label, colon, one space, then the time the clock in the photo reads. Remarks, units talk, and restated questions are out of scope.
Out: 12:13:17
